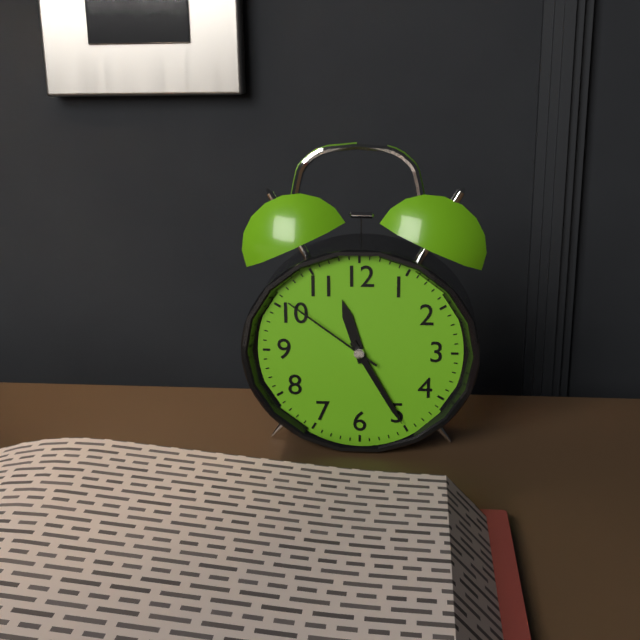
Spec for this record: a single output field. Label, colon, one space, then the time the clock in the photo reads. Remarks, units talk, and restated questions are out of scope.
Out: 11:25:51
